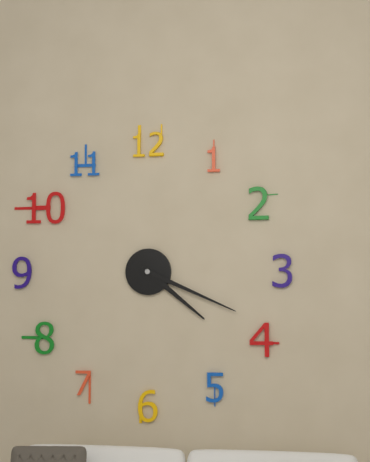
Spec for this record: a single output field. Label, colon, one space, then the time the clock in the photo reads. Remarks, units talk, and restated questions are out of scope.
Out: 4:19
